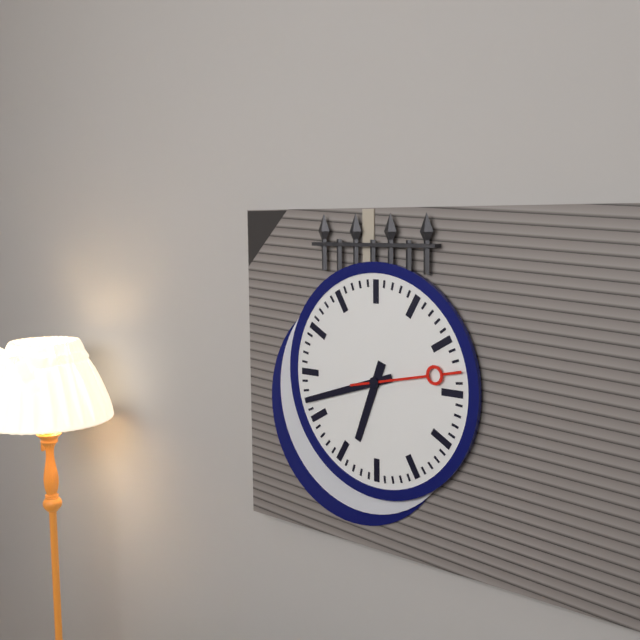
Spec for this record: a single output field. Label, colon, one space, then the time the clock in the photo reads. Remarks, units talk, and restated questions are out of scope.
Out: 6:42:13
